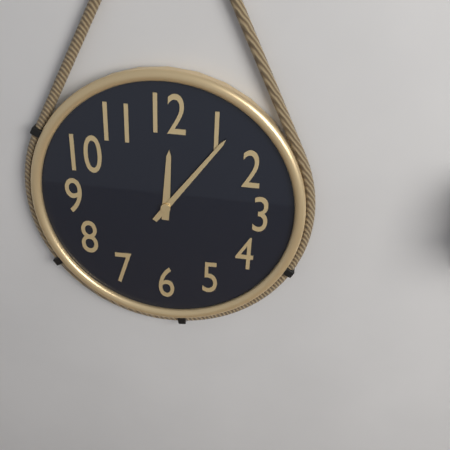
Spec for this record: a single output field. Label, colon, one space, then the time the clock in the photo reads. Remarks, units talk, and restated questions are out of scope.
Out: 12:06
